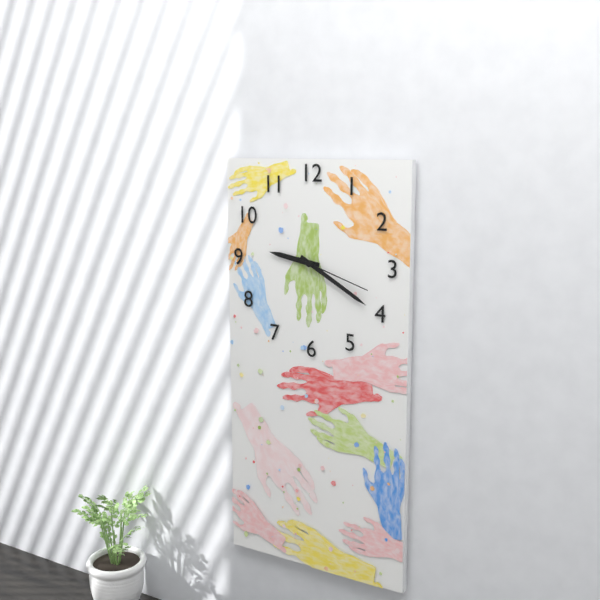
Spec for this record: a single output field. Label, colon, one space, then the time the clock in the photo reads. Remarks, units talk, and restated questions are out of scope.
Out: 9:20:18
